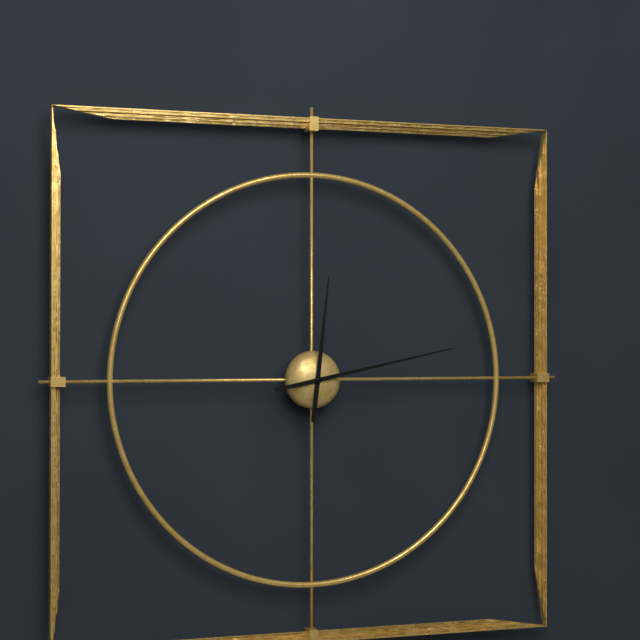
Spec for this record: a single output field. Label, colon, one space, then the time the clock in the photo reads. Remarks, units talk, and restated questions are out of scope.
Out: 12:13
